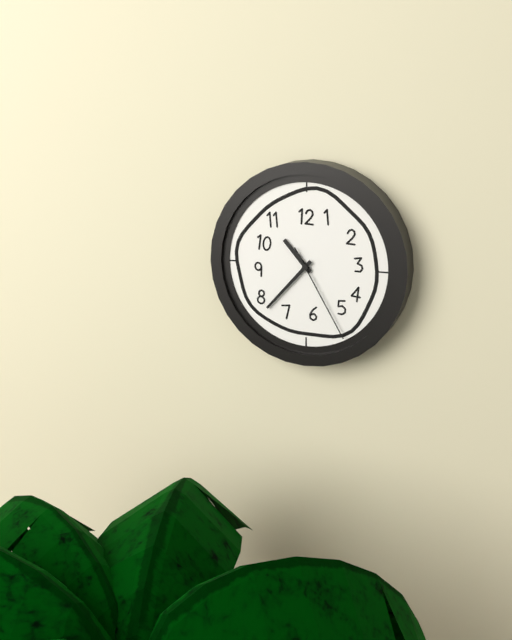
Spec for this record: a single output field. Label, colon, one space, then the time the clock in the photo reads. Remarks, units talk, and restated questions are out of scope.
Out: 10:37:25
